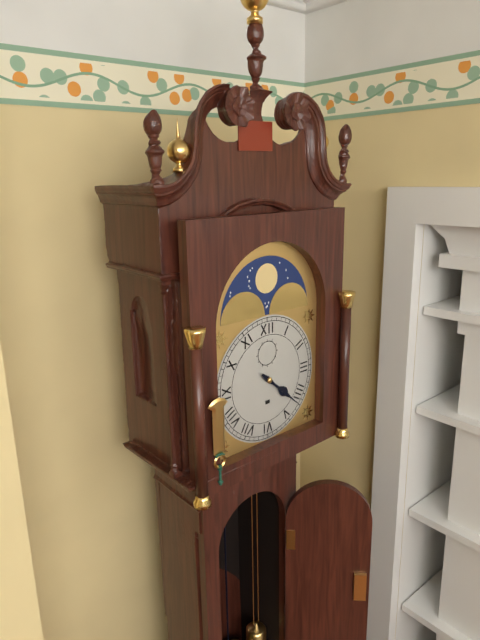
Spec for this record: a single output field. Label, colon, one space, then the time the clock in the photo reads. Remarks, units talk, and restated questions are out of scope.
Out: 4:22
